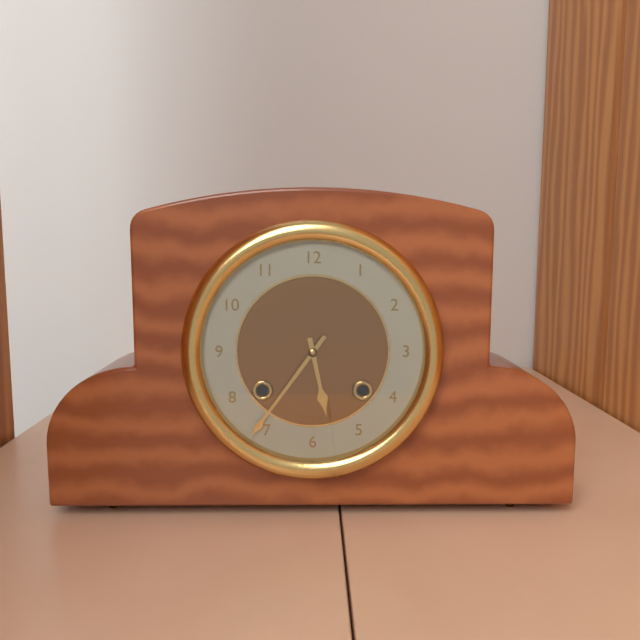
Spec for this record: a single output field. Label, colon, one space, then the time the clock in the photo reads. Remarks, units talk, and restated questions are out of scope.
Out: 5:36
